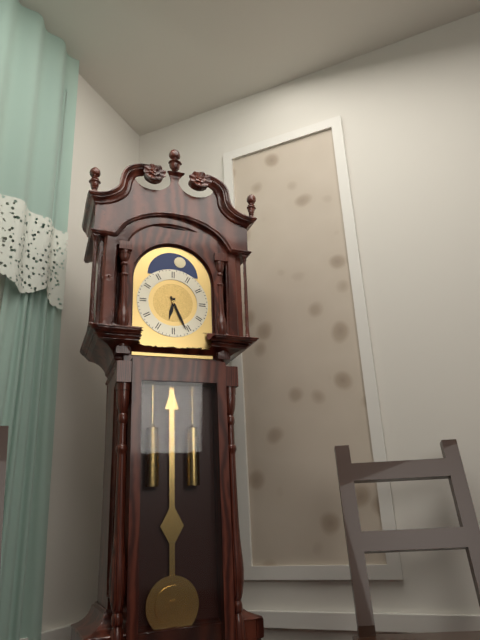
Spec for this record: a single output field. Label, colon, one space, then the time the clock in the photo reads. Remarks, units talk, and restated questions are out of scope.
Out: 6:26
